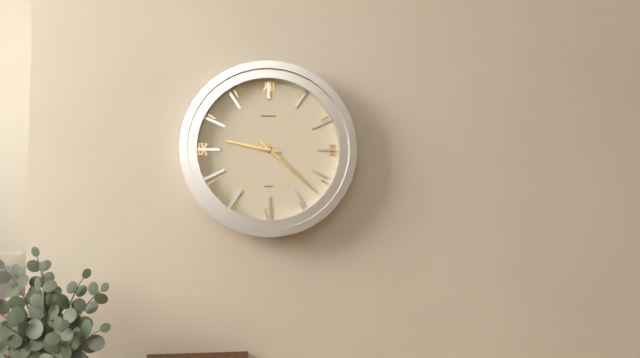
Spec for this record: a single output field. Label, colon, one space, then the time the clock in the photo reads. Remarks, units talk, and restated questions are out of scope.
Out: 9:22
